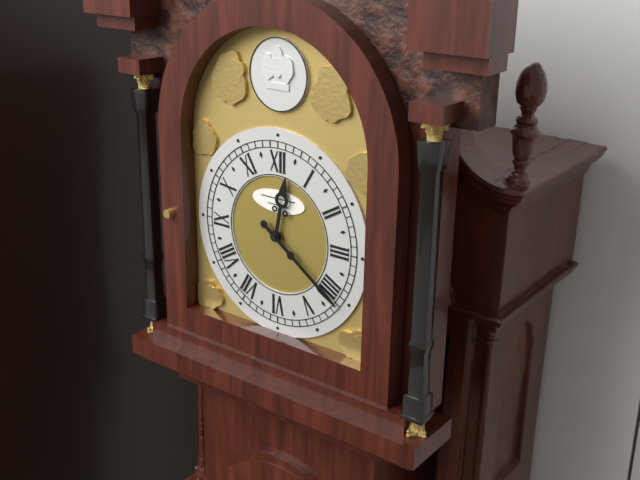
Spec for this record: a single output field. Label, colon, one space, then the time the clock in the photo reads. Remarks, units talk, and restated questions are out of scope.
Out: 12:21
